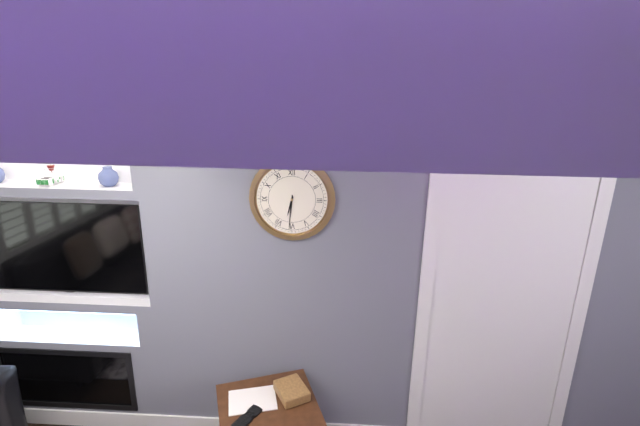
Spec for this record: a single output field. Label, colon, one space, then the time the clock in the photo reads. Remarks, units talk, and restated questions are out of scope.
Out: 6:31
